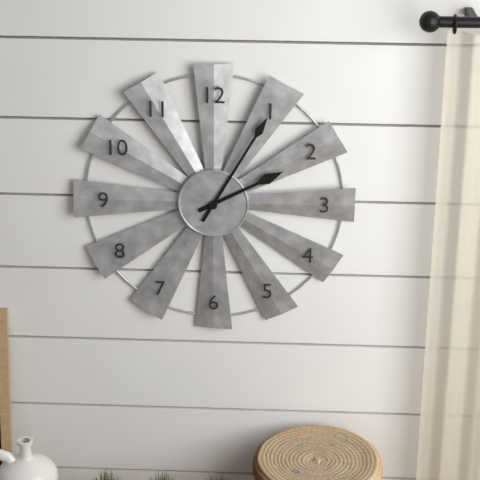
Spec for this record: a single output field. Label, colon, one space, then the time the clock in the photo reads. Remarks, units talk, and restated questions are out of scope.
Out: 2:05
